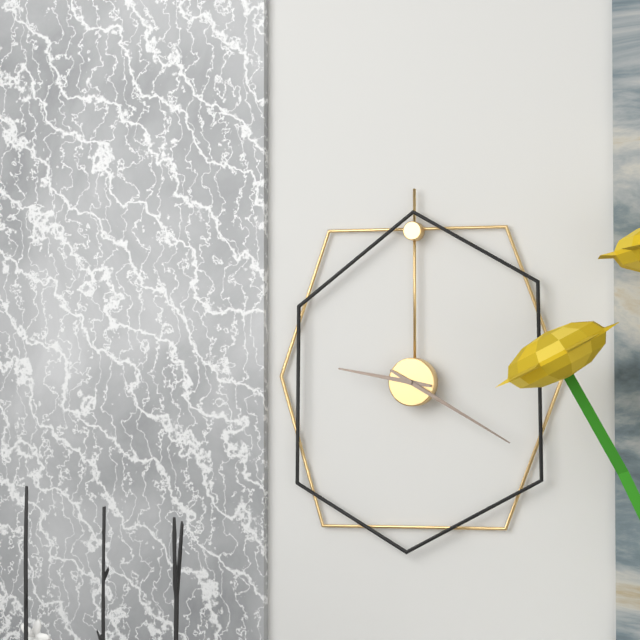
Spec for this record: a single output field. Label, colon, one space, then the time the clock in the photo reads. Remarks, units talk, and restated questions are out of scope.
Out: 9:20
